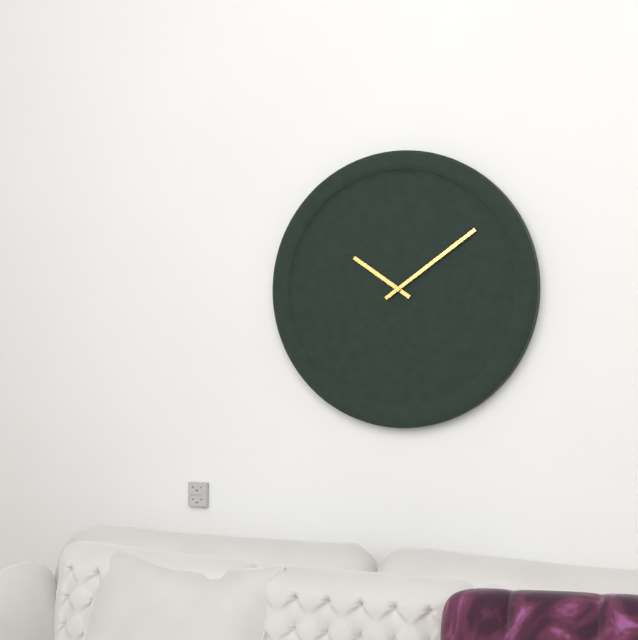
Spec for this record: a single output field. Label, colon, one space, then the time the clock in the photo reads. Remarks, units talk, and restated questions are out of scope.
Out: 10:09
